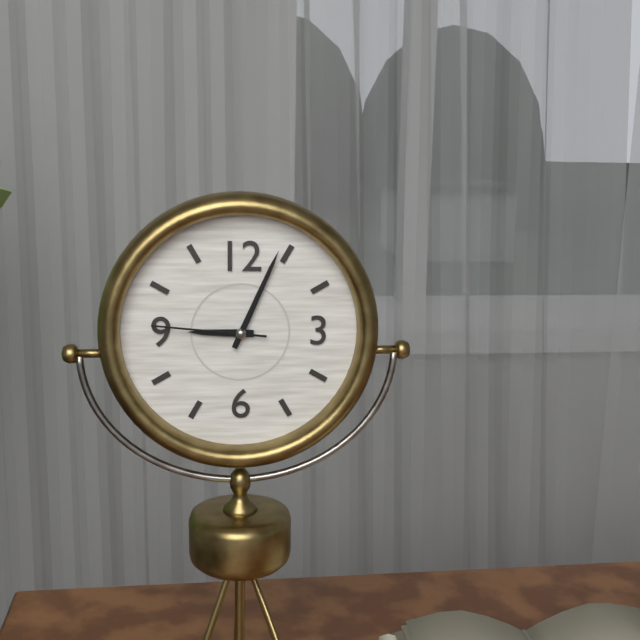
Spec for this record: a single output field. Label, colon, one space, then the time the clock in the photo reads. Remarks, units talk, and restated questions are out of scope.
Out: 9:04:46
